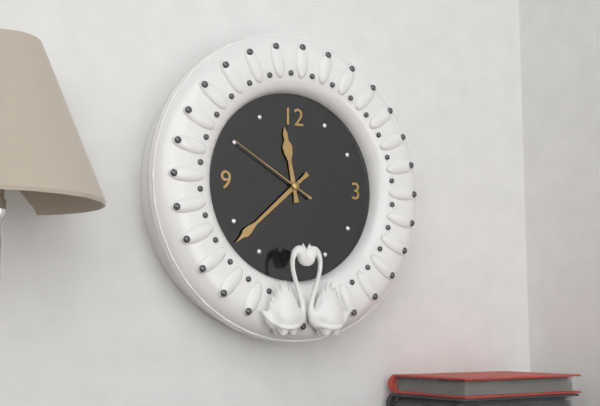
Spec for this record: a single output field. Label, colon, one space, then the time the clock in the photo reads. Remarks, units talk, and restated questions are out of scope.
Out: 11:38:50
